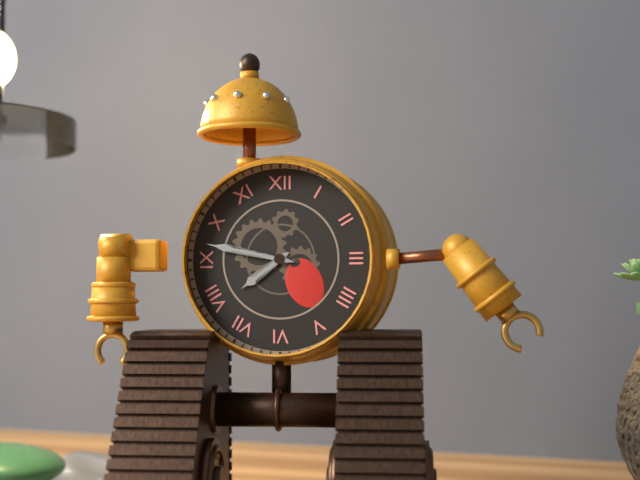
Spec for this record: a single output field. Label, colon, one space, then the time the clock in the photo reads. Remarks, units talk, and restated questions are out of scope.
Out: 7:47
